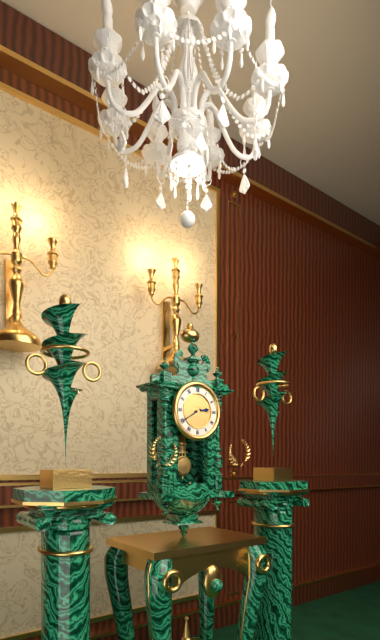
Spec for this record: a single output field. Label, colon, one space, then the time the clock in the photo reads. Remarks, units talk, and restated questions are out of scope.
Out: 2:40
